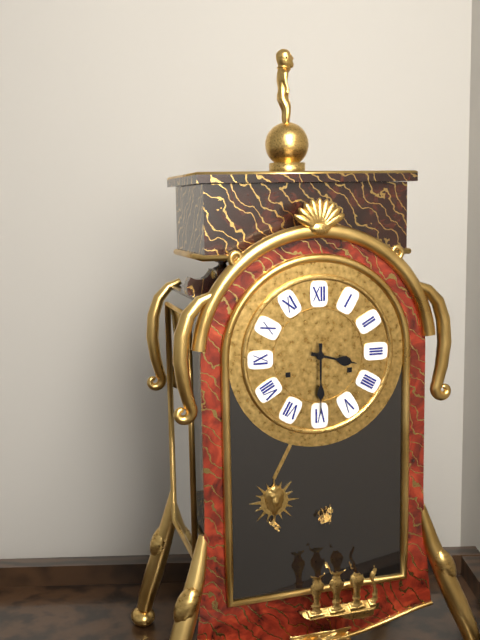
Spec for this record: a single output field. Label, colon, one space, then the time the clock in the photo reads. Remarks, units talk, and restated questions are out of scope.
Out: 3:30
